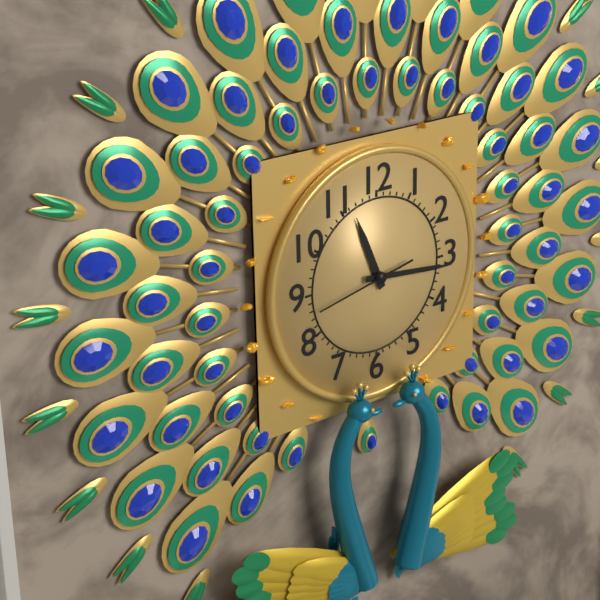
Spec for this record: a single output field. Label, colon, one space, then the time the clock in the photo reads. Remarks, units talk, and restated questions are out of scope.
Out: 11:16:43
